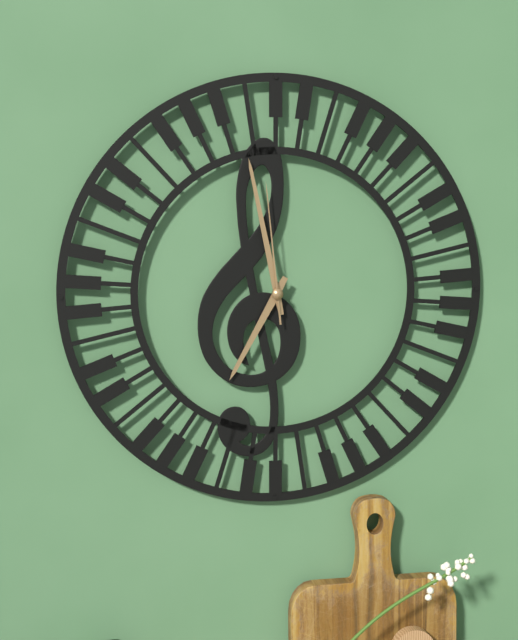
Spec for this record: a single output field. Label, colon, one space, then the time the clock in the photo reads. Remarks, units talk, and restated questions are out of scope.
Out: 6:58:59
